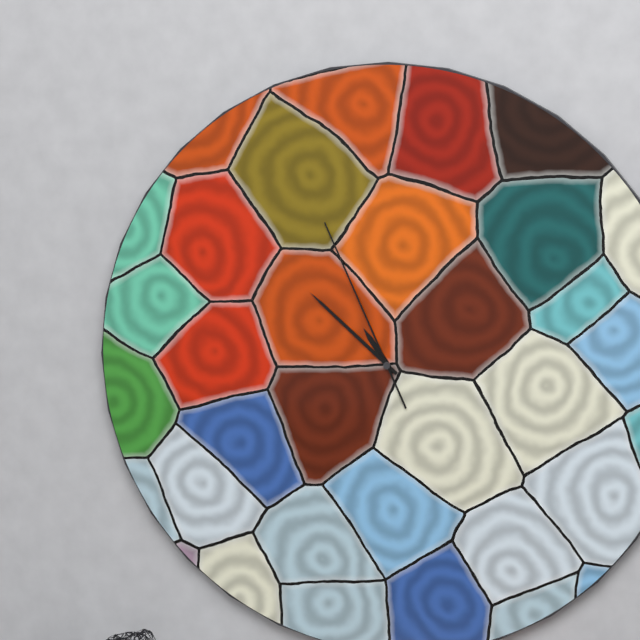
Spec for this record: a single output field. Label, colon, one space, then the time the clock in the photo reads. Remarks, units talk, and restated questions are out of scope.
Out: 10:52:56
